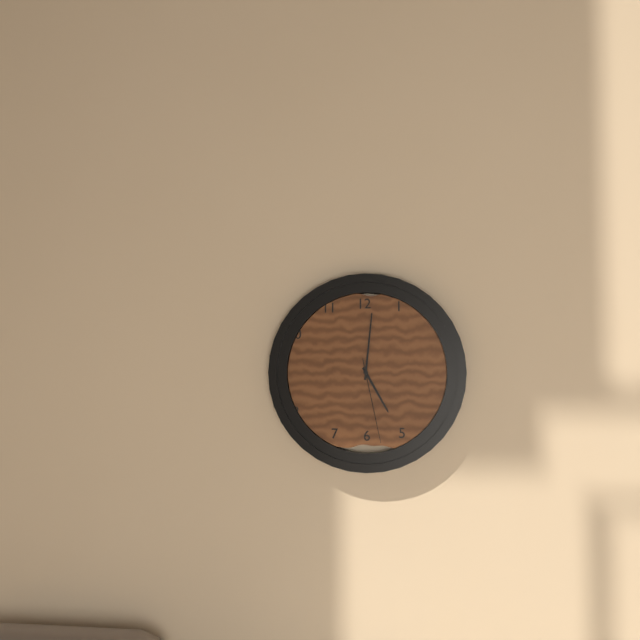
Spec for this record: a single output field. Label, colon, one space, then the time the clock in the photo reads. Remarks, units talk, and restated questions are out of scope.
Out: 5:01:28
